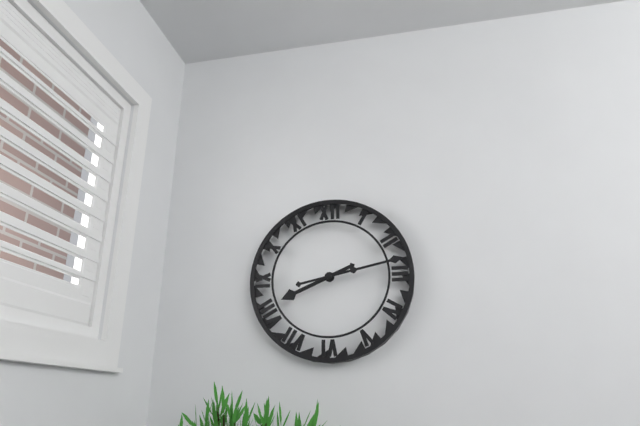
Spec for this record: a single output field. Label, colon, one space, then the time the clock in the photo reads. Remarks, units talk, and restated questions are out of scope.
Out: 8:13
